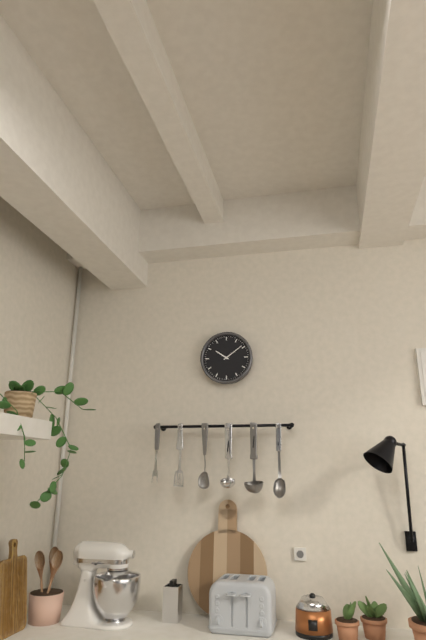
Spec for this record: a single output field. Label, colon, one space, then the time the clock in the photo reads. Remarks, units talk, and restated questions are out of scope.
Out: 10:09
